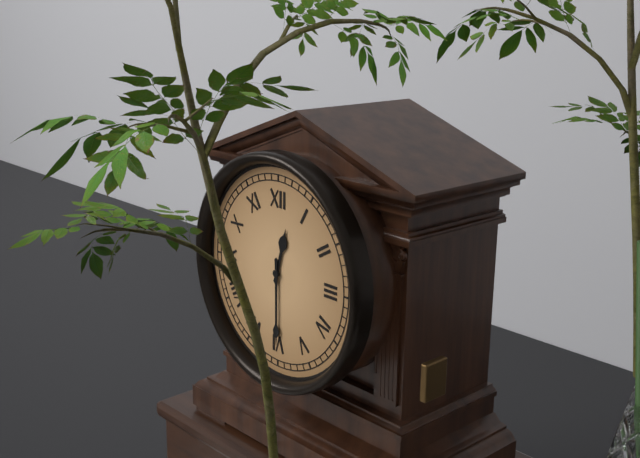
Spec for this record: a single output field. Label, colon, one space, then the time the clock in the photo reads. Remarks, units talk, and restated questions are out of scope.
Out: 12:30
